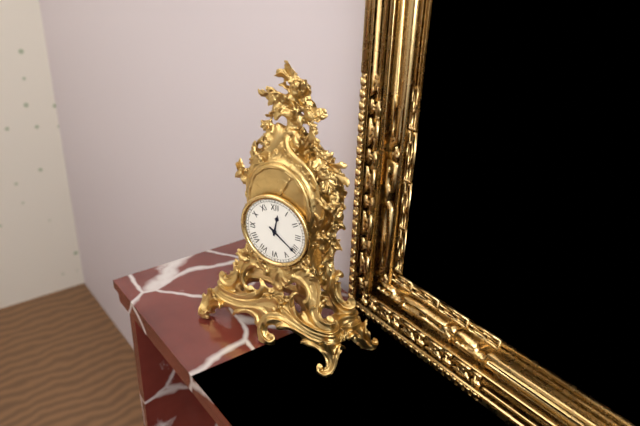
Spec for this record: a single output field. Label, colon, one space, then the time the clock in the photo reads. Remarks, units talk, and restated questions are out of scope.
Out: 12:21
